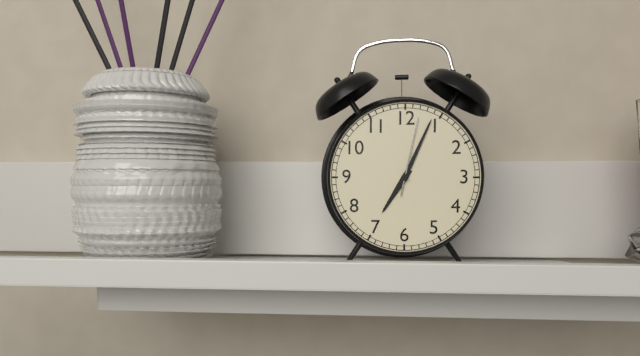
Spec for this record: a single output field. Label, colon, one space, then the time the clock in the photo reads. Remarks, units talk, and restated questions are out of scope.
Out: 7:04:02
